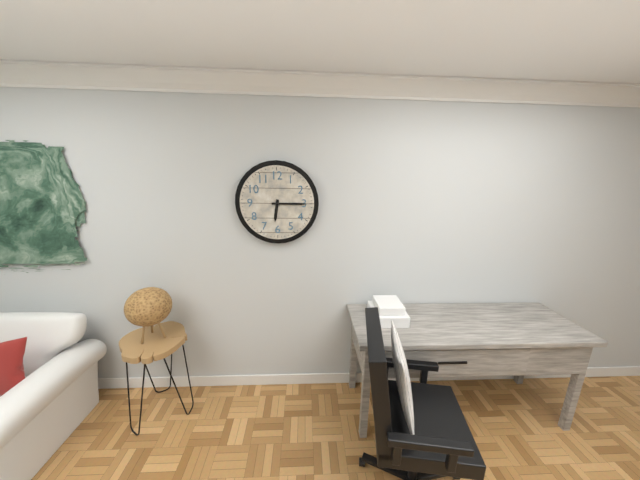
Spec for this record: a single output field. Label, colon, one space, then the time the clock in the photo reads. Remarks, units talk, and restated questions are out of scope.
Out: 6:15
